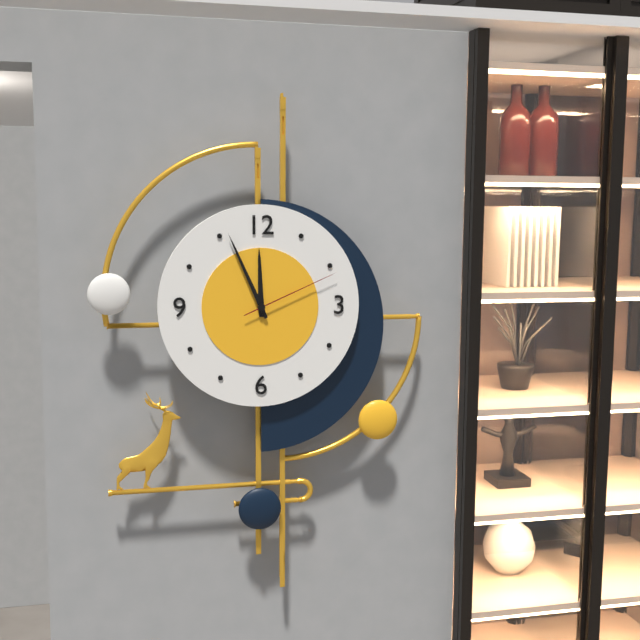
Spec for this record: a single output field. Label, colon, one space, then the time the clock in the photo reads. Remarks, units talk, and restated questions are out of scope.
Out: 11:56:11
